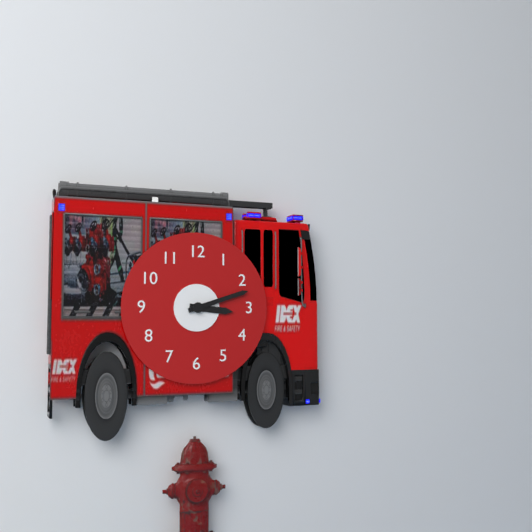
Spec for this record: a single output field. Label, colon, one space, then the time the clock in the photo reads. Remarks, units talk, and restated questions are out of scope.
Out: 3:12
